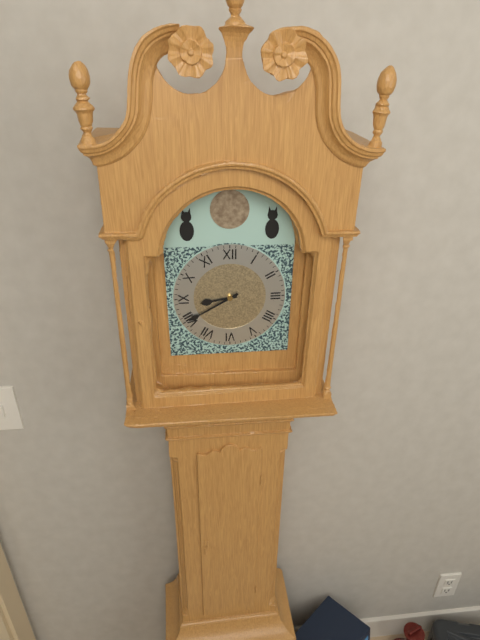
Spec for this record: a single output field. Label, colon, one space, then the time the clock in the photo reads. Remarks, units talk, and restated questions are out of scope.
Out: 8:40
